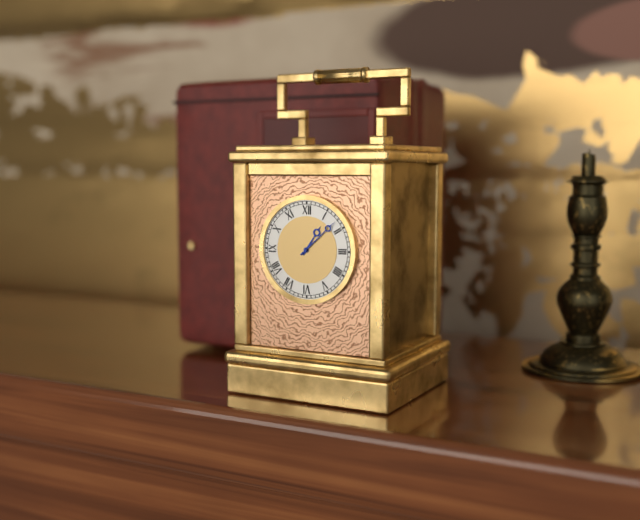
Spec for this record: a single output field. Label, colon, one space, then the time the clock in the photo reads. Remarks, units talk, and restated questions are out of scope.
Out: 1:08
